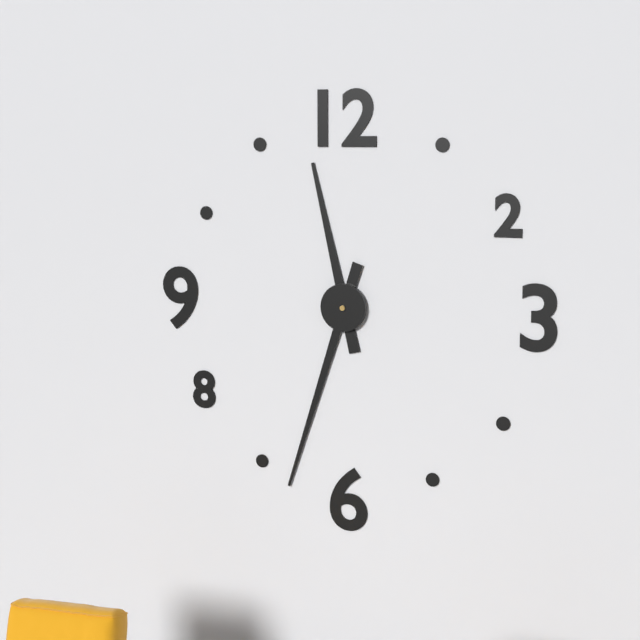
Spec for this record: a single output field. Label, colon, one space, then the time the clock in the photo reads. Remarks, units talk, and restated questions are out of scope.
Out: 11:33
